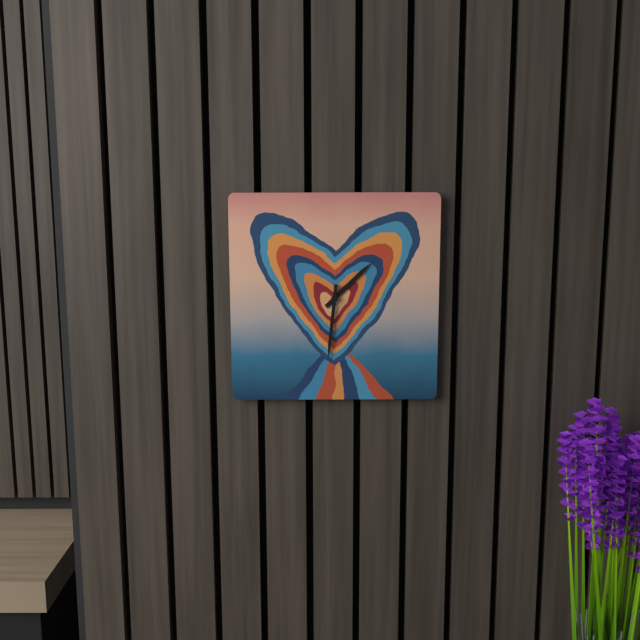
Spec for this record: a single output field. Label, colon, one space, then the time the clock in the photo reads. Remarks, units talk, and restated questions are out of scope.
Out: 1:31
